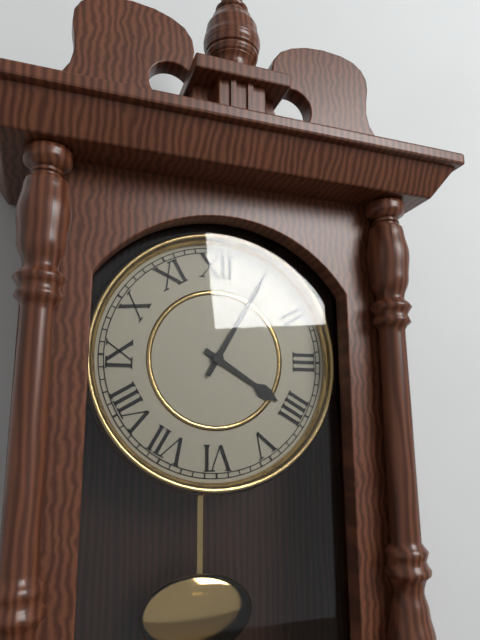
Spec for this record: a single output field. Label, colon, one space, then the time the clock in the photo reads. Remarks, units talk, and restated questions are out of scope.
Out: 4:05
